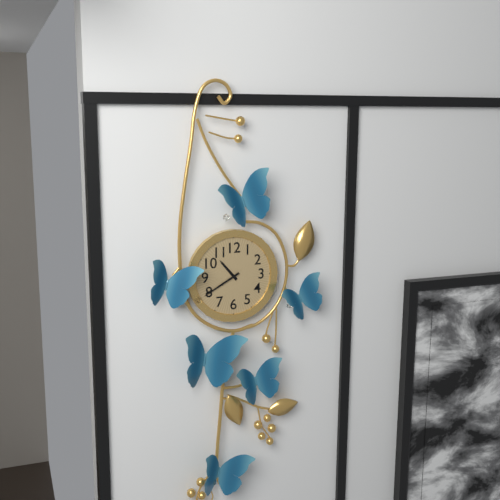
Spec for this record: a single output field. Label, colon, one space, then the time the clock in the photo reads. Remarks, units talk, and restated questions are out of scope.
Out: 10:40
